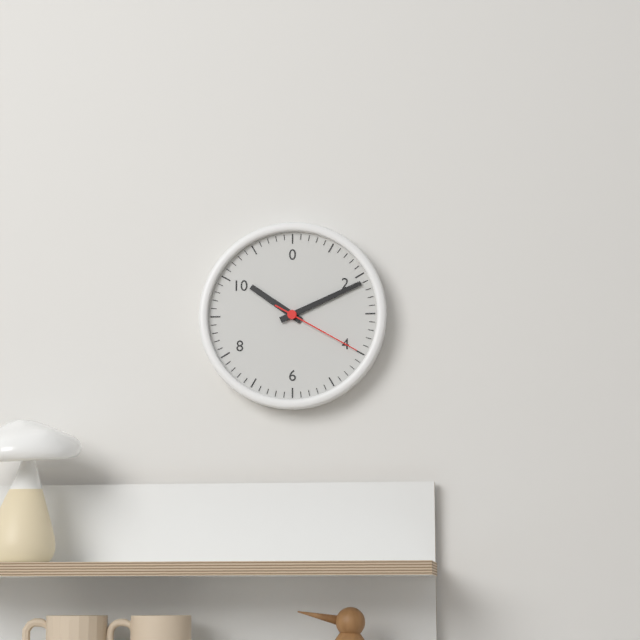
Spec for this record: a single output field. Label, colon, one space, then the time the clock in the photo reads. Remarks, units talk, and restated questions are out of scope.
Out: 10:11:20
